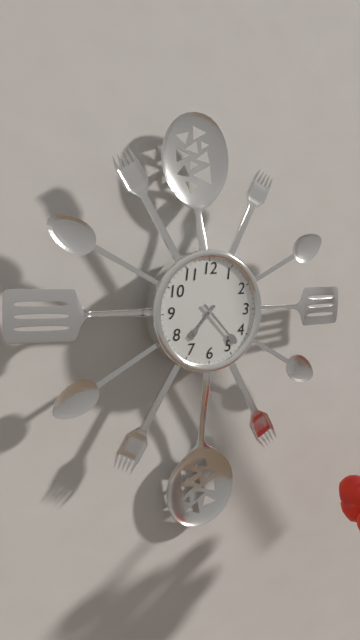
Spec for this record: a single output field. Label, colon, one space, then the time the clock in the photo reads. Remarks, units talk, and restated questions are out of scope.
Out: 7:23
